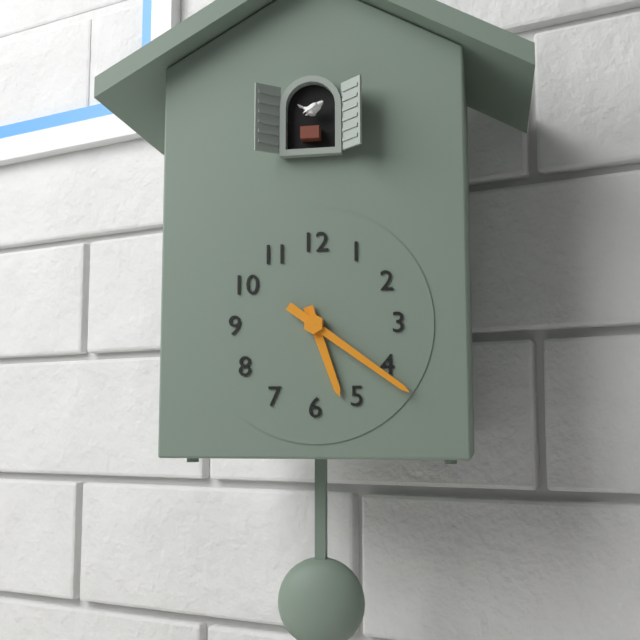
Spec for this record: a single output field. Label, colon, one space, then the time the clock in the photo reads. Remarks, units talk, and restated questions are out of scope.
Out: 5:21
